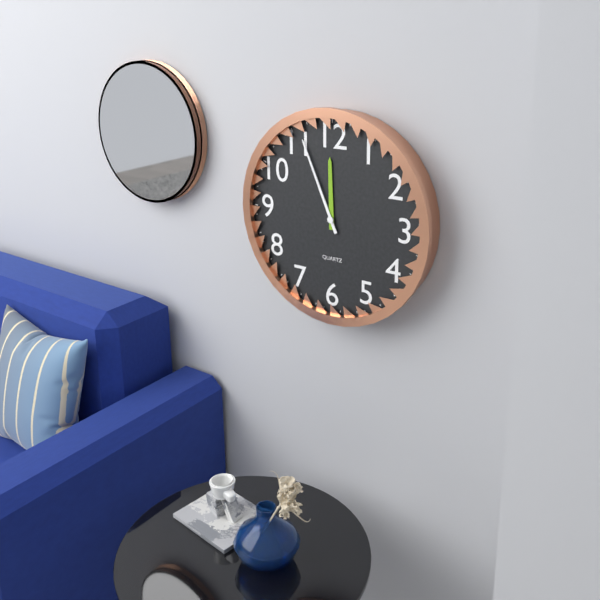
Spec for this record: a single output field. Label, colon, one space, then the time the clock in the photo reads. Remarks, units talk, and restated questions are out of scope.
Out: 11:56
